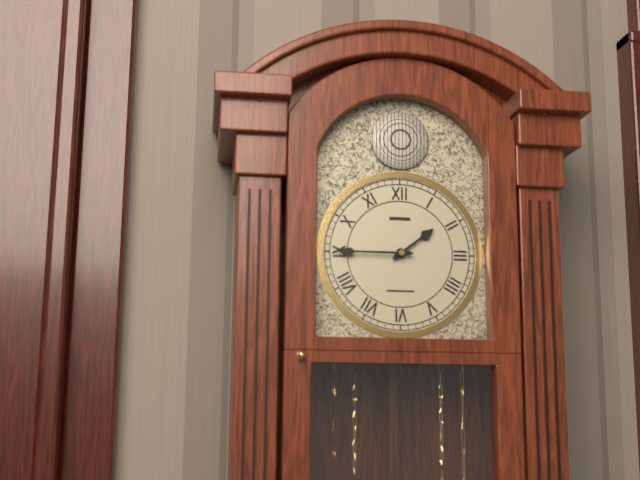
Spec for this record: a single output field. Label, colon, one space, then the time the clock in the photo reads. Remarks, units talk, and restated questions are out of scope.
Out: 1:45
